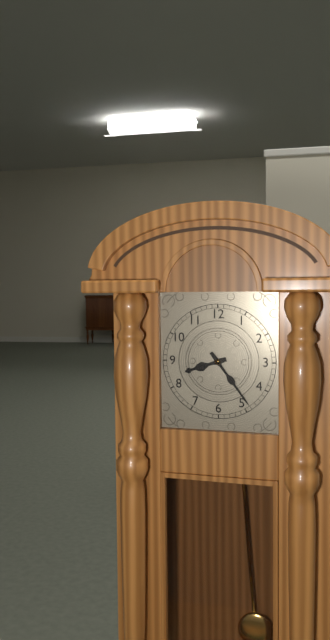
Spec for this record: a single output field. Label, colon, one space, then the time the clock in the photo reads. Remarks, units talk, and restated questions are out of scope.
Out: 8:24
